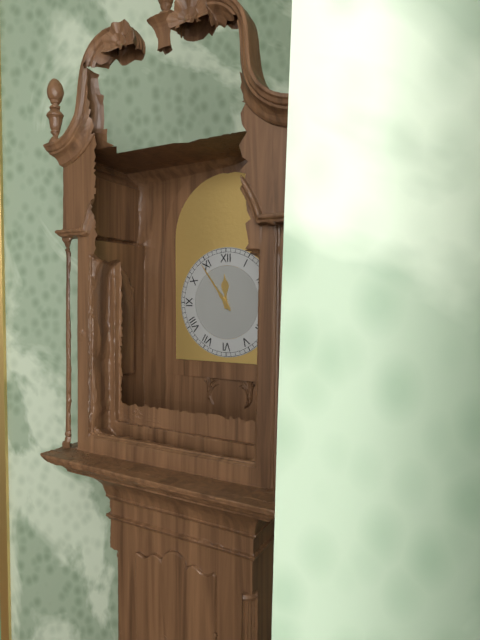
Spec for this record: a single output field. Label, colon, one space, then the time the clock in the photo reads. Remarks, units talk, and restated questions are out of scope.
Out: 11:54
